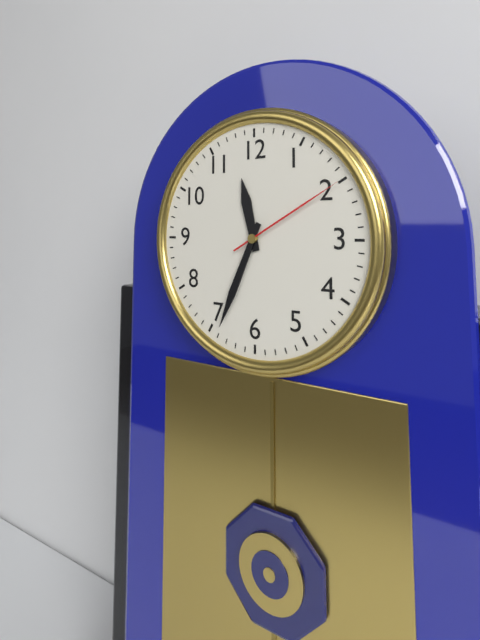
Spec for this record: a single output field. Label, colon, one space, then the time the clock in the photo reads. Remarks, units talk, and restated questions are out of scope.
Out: 11:34:10
